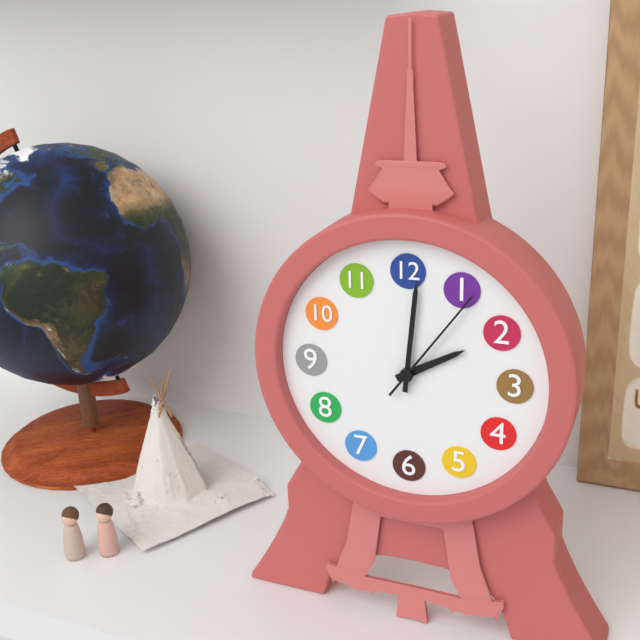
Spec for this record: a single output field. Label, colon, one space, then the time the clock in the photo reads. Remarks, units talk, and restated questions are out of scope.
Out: 2:01:06
